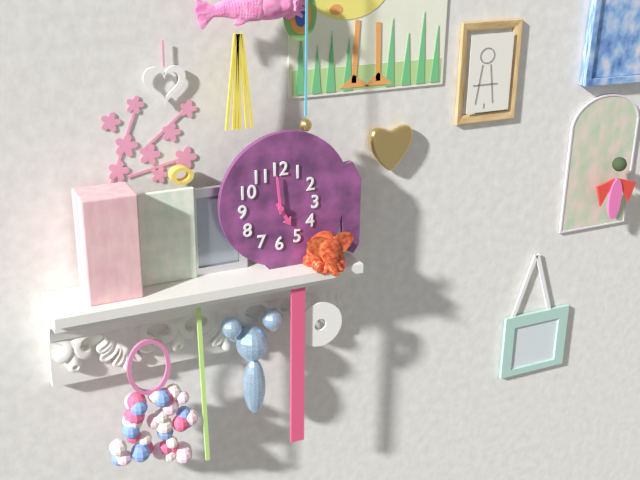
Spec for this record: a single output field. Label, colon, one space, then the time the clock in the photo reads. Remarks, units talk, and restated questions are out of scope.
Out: 4:59
